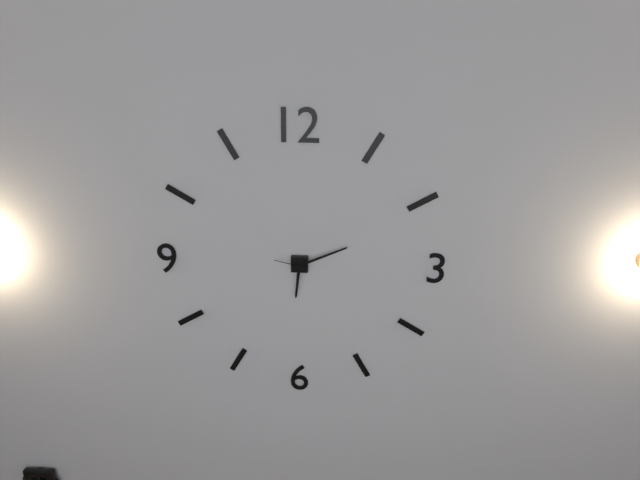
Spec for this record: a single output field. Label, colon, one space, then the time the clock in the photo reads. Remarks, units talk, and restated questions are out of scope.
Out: 6:11
